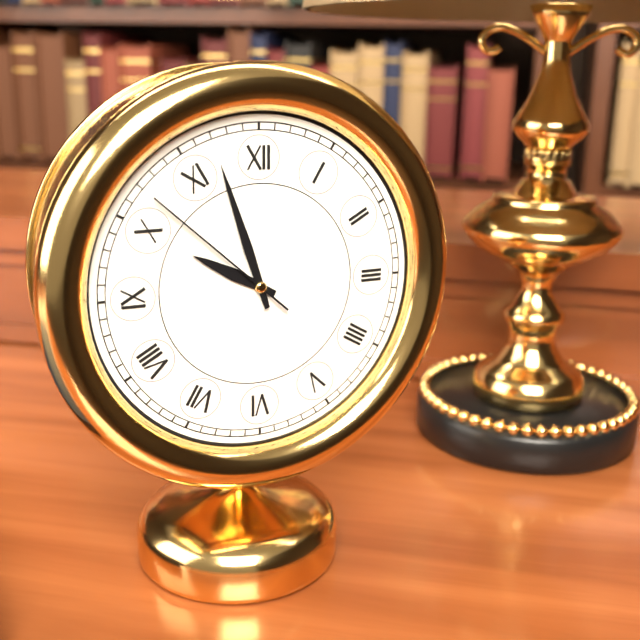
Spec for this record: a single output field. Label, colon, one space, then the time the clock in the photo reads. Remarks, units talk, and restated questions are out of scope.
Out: 9:57:52
